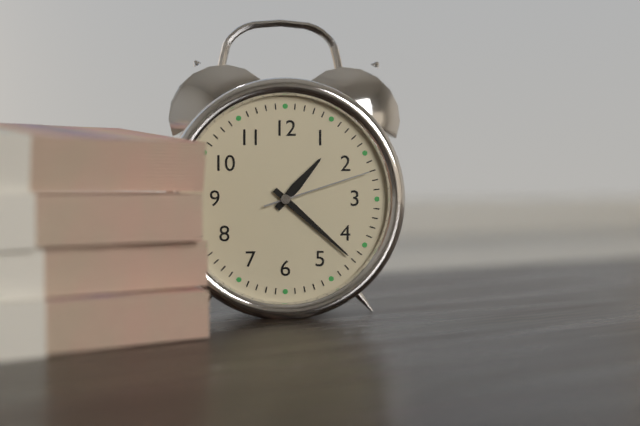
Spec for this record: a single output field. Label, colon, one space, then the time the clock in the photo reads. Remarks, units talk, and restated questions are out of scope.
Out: 1:22:12
